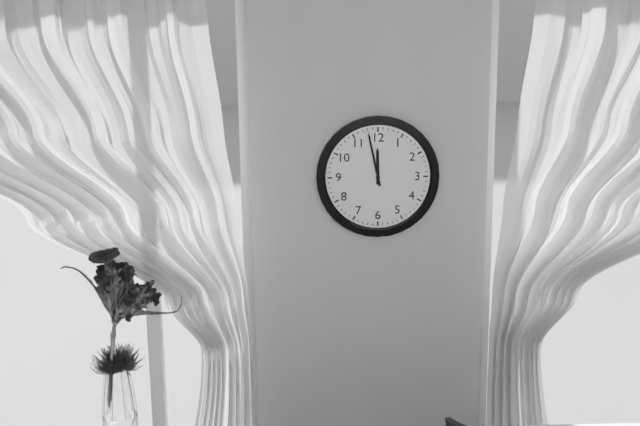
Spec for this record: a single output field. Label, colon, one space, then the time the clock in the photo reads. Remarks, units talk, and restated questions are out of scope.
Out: 11:58
